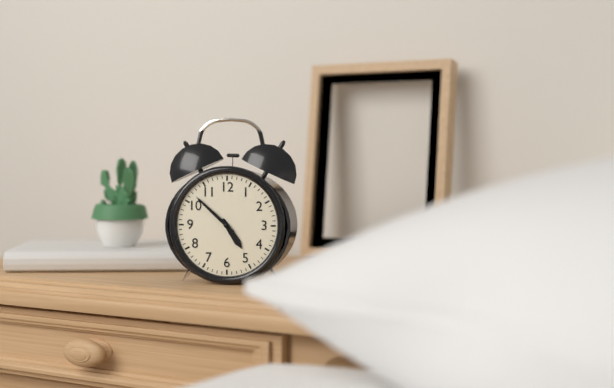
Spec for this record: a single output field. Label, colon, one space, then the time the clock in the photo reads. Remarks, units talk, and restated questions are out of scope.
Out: 4:52
